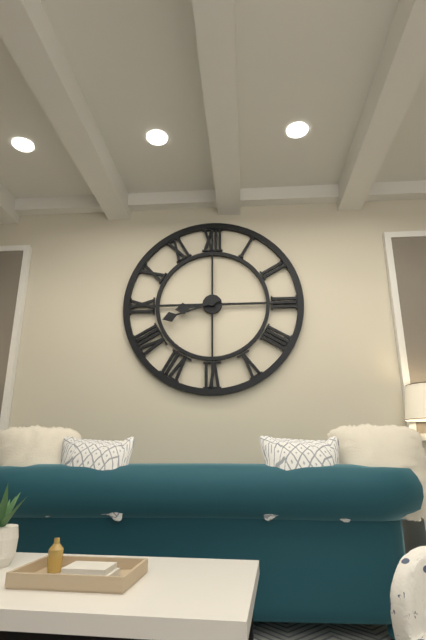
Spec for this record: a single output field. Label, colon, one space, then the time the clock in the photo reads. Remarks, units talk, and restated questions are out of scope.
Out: 8:42
